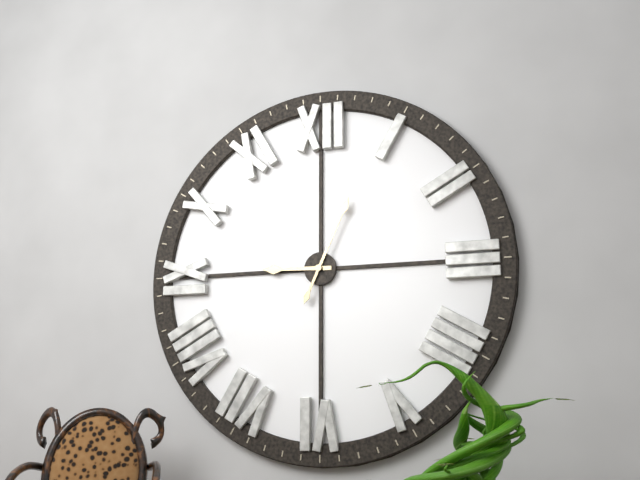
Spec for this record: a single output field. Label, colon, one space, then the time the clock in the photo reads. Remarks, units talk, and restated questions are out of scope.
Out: 9:04
